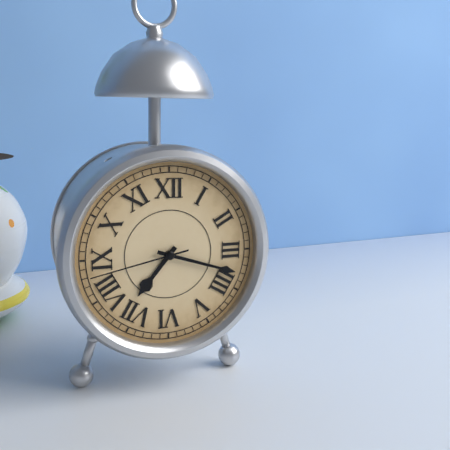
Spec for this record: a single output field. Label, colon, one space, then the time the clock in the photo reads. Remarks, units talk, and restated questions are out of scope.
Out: 7:18:43
